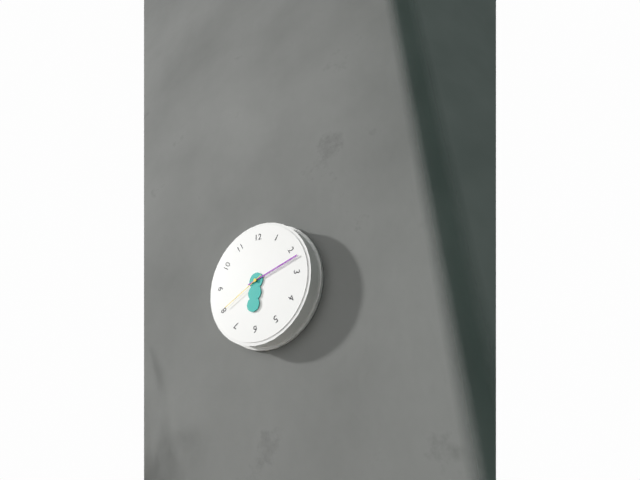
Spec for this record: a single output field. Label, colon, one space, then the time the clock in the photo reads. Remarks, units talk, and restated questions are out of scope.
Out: 6:12:40
